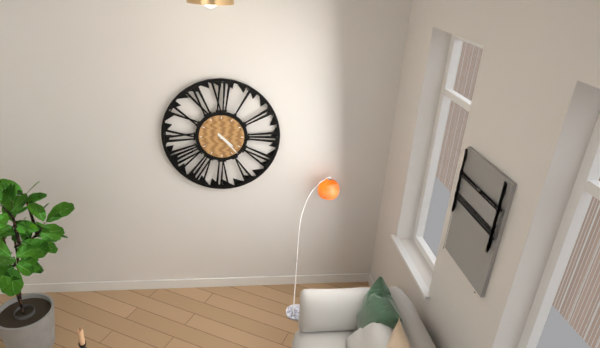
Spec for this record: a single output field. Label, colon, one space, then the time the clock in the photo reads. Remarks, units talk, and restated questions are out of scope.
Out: 4:23
